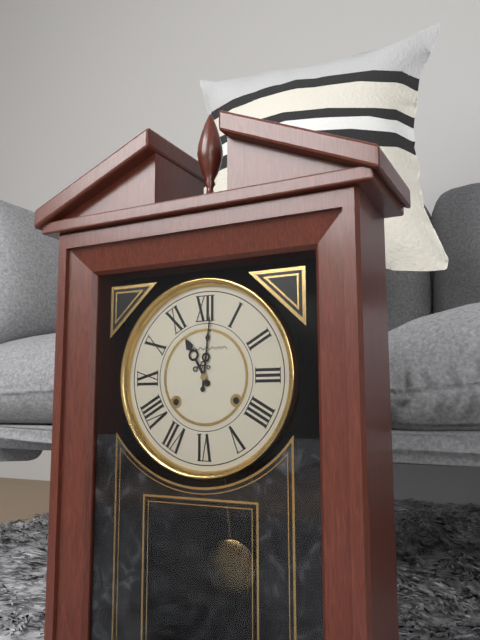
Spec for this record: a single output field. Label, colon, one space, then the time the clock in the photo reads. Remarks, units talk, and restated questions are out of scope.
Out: 11:01
